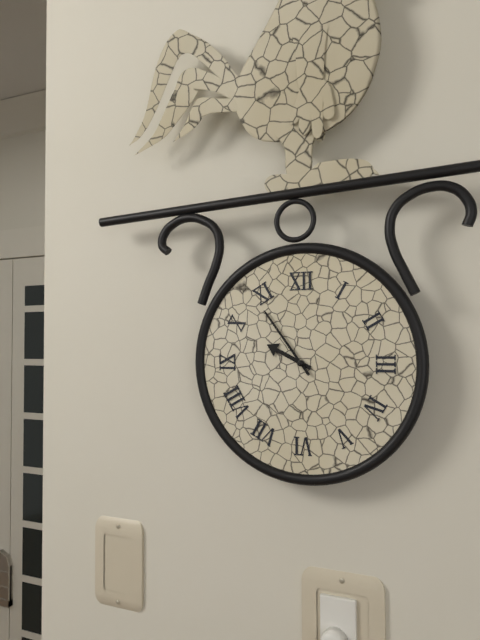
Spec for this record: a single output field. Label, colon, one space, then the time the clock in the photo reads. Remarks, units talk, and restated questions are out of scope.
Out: 9:54
